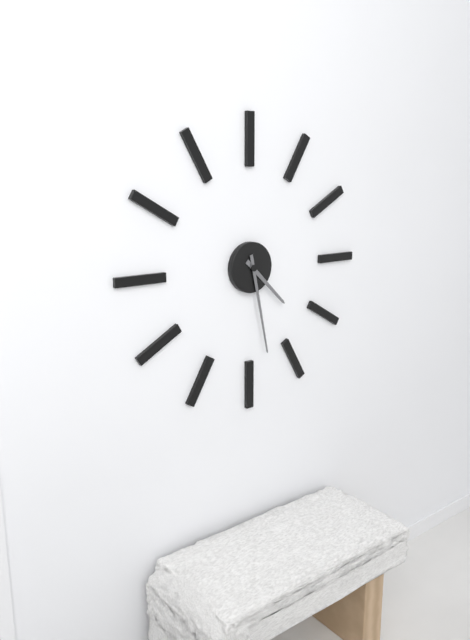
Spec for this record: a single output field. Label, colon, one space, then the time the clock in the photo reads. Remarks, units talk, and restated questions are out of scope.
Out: 4:28
